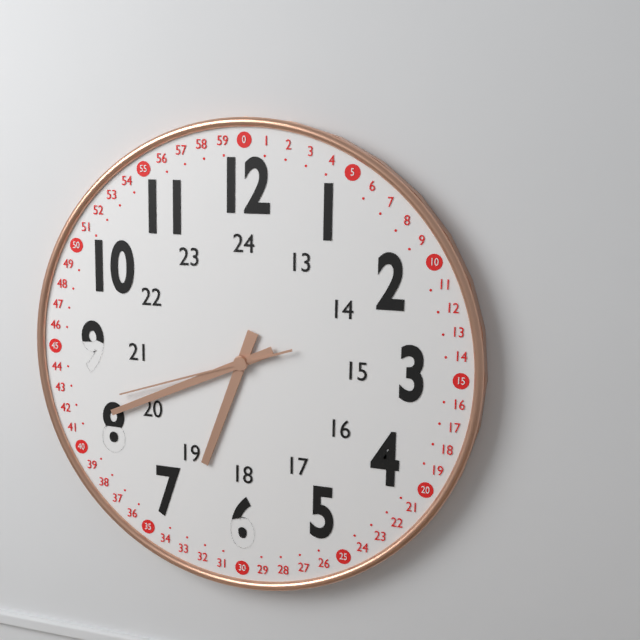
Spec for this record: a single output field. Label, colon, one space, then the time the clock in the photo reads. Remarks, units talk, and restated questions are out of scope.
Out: 6:41:42
